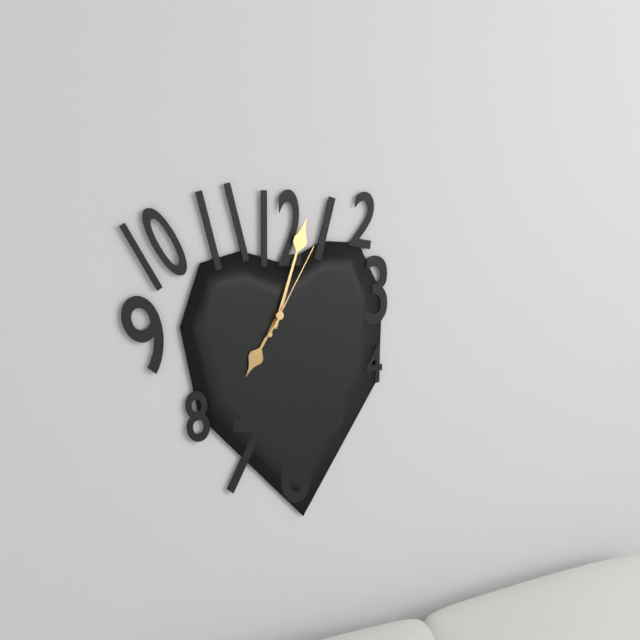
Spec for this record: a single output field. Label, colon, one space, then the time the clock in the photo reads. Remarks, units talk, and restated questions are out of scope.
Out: 7:03:05
